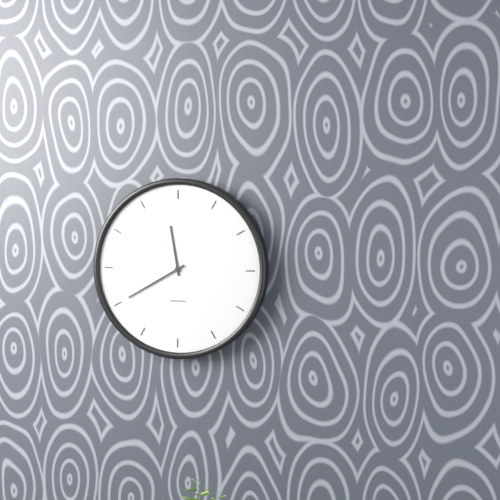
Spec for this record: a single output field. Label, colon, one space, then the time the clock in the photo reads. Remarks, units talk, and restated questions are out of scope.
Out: 11:40
